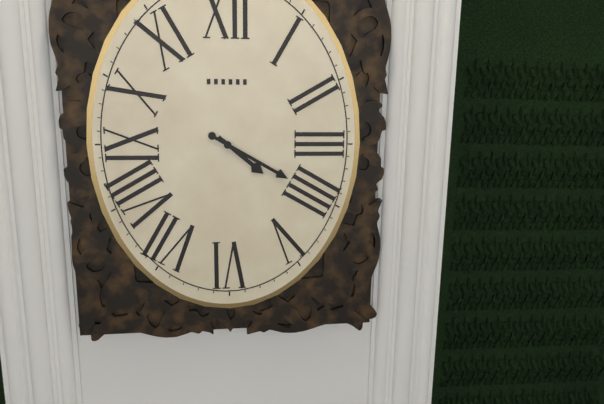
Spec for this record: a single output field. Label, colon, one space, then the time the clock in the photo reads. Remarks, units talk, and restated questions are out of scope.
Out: 4:20
